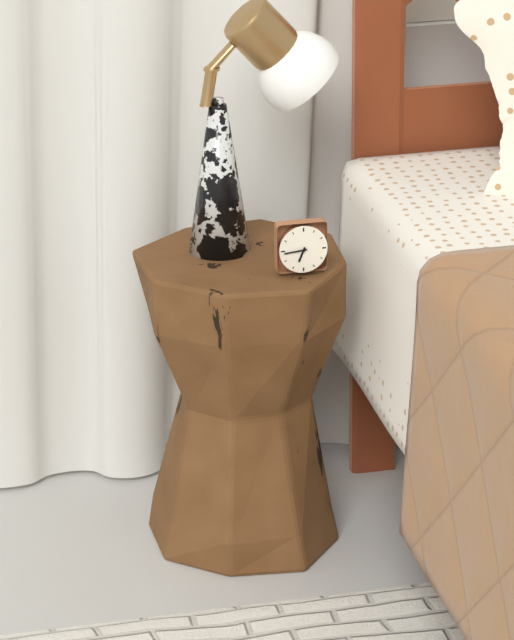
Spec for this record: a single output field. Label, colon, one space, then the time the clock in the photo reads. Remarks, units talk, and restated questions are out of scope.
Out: 6:44
